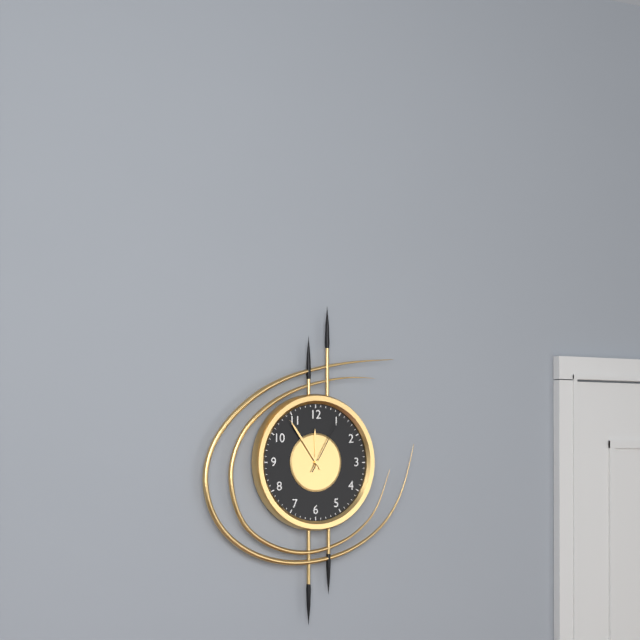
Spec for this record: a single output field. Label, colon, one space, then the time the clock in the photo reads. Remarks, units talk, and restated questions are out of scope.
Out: 11:54:05
